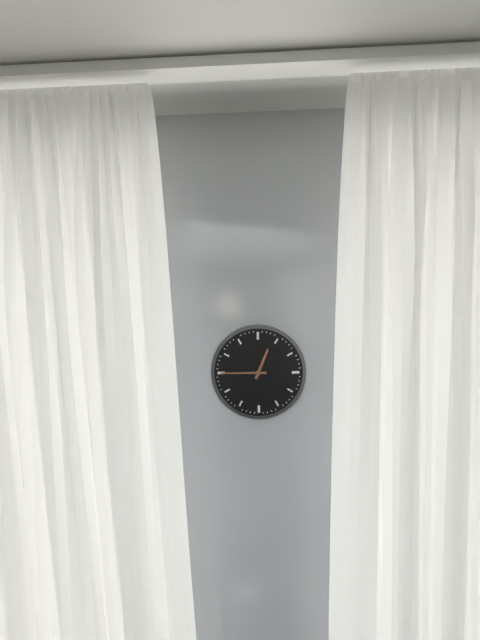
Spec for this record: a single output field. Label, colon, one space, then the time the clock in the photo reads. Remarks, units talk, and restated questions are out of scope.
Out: 12:45
